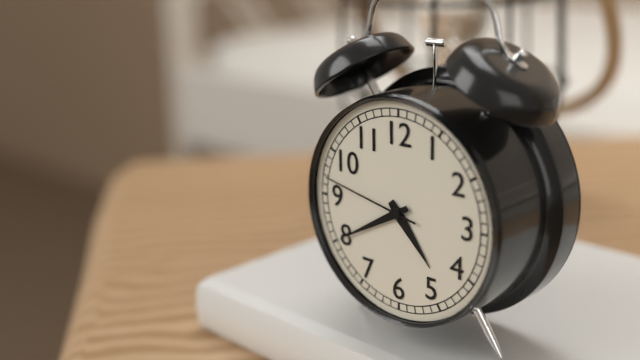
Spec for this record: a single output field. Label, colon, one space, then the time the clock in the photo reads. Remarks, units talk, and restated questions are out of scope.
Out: 4:40:47
